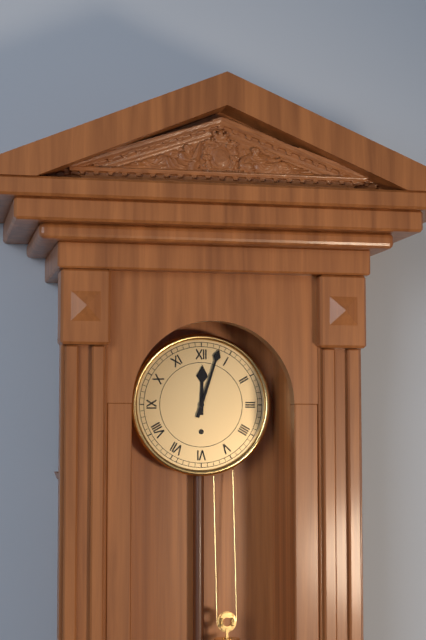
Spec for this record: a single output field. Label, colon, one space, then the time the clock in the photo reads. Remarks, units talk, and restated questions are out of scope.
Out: 12:03
